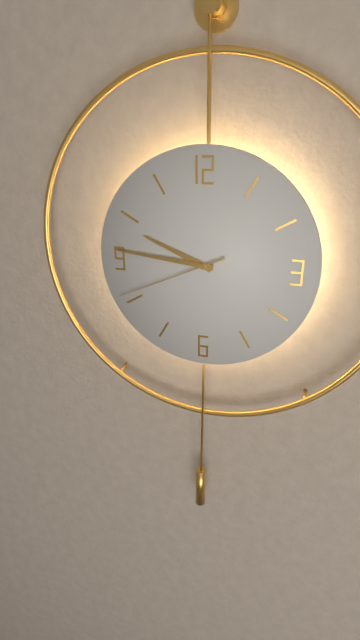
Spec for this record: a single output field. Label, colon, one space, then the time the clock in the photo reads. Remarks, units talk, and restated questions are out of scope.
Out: 9:46:41
